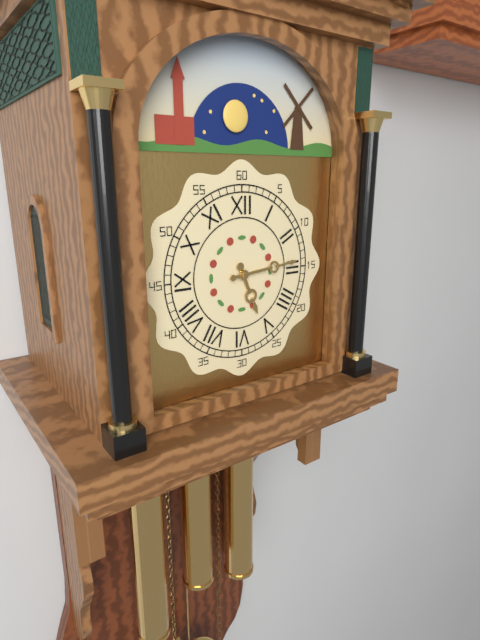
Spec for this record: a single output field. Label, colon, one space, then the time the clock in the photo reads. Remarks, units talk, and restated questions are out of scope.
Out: 5:14
